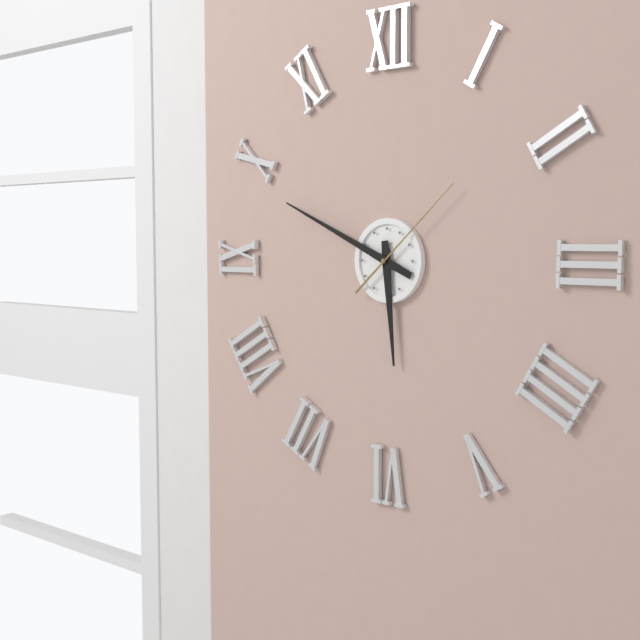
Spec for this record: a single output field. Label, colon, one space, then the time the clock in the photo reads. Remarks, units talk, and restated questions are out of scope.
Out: 5:49:08
